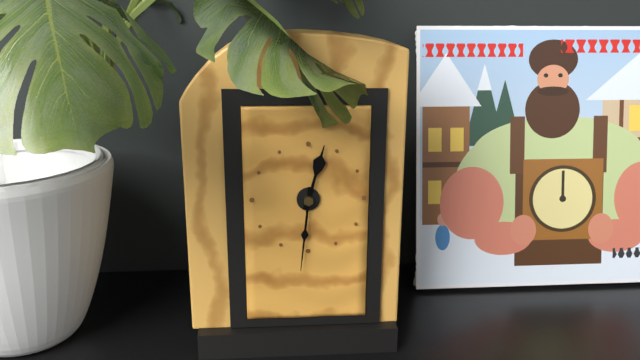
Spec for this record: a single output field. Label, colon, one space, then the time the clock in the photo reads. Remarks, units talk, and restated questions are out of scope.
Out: 12:31
